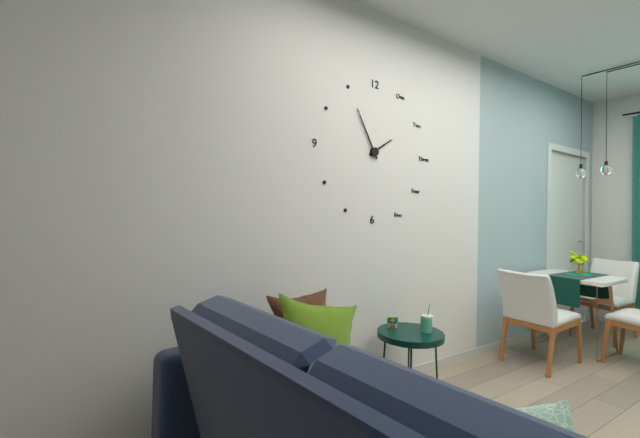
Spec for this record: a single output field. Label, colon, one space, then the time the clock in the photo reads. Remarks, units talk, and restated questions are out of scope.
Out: 1:55
